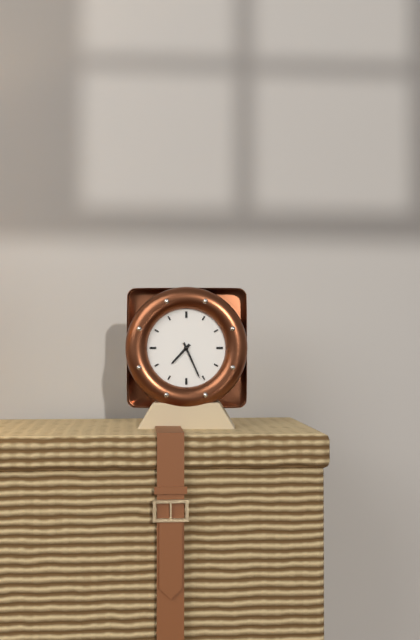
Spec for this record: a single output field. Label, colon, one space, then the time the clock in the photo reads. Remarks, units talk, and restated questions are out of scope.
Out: 7:26
